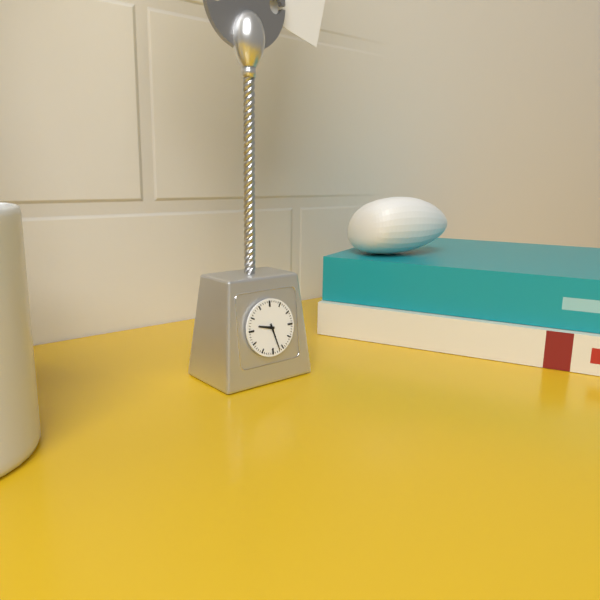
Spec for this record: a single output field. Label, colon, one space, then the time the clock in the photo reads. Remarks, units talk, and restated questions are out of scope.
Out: 9:27
